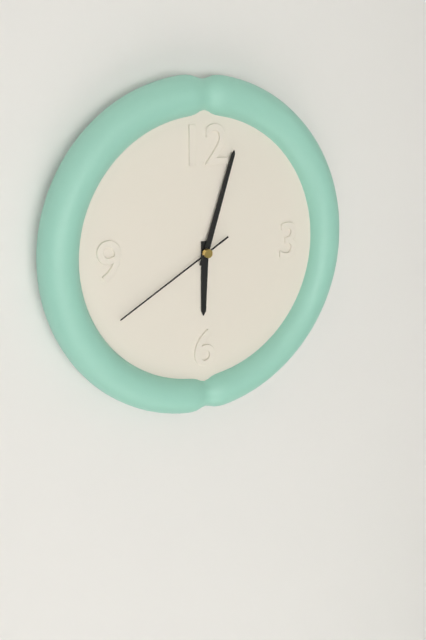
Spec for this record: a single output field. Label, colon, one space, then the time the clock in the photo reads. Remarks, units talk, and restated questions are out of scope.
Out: 6:03:40
